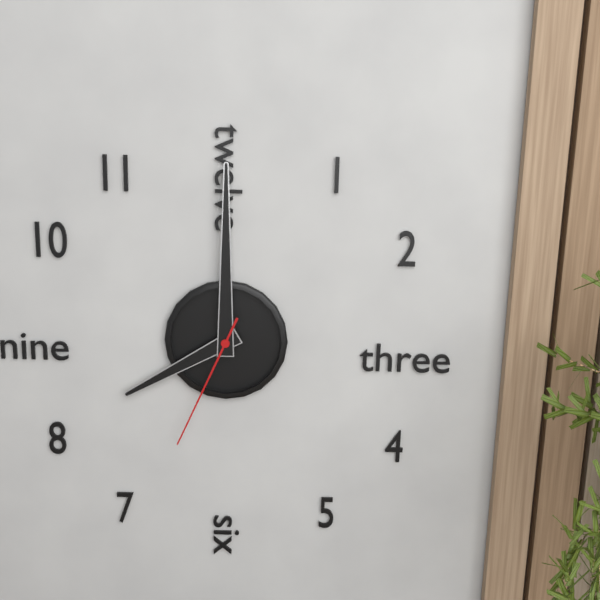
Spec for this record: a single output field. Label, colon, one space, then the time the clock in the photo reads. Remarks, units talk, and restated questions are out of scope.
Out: 8:00:34
